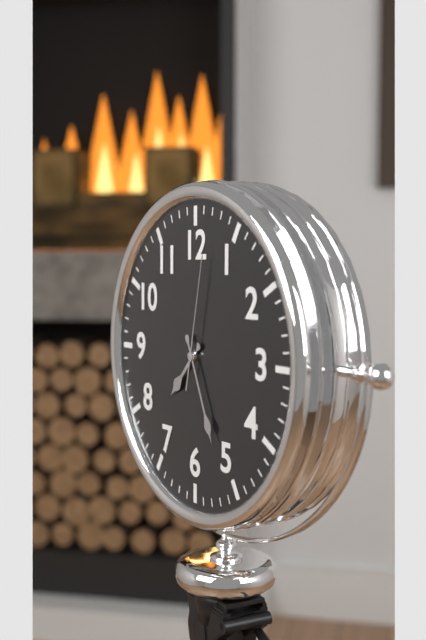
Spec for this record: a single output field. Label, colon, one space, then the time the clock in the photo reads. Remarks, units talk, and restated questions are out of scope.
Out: 7:26:02
